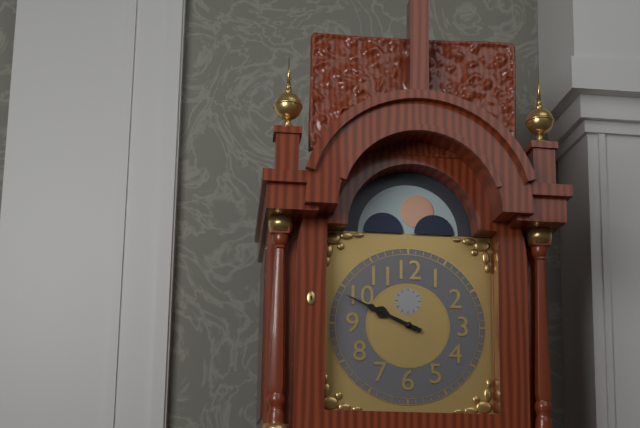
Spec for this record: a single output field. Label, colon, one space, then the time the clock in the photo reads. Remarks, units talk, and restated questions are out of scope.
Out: 9:49
